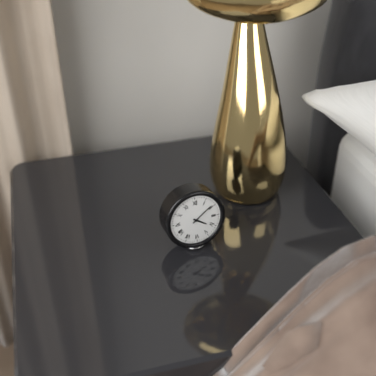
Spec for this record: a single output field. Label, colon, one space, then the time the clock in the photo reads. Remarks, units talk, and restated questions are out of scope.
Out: 4:09
